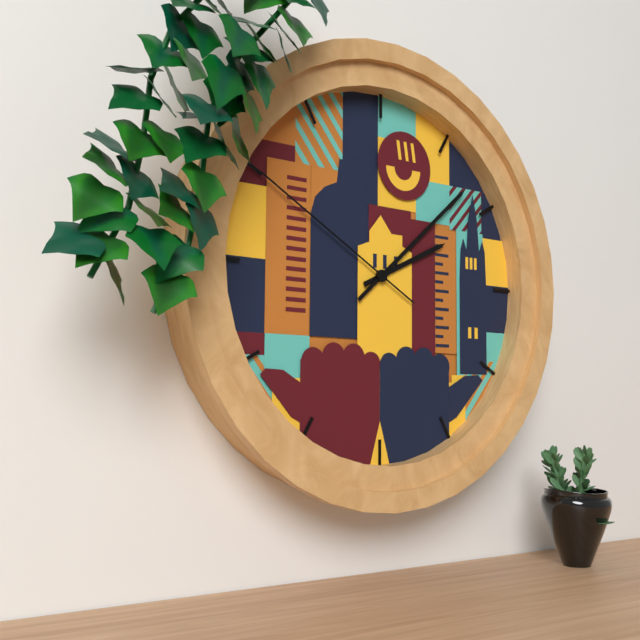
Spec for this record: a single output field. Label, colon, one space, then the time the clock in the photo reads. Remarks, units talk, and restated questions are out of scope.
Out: 2:08:50
